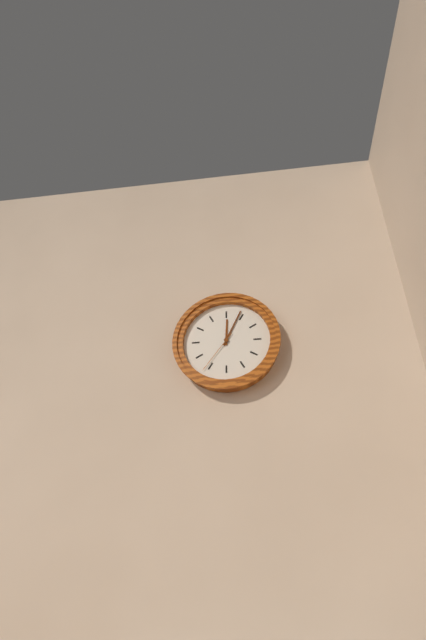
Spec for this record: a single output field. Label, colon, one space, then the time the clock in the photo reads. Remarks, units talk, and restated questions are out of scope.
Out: 12:04
